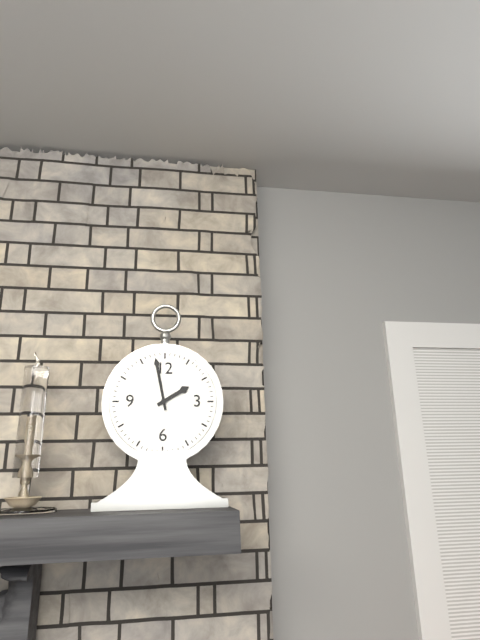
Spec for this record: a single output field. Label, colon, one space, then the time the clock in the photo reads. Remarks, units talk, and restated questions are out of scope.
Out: 1:58
